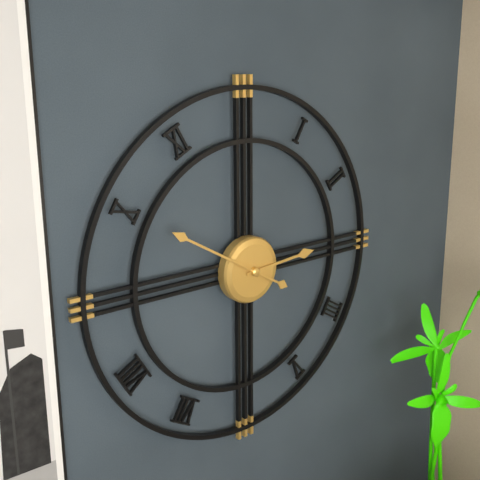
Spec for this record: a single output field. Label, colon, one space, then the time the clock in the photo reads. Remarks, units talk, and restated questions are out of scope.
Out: 2:50
